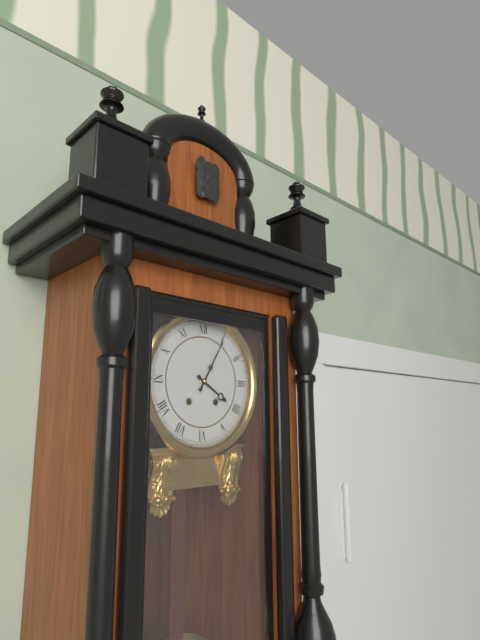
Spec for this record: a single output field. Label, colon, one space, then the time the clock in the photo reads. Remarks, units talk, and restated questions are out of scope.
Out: 4:05
